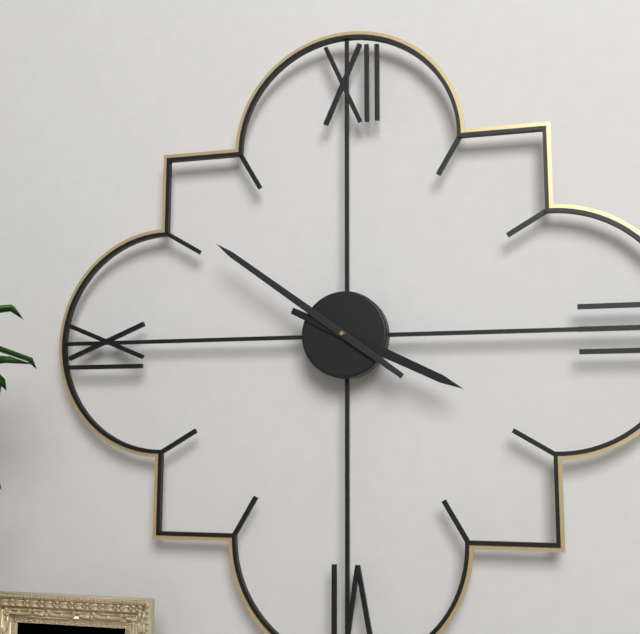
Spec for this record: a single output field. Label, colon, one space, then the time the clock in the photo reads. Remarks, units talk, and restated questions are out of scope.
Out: 3:51
